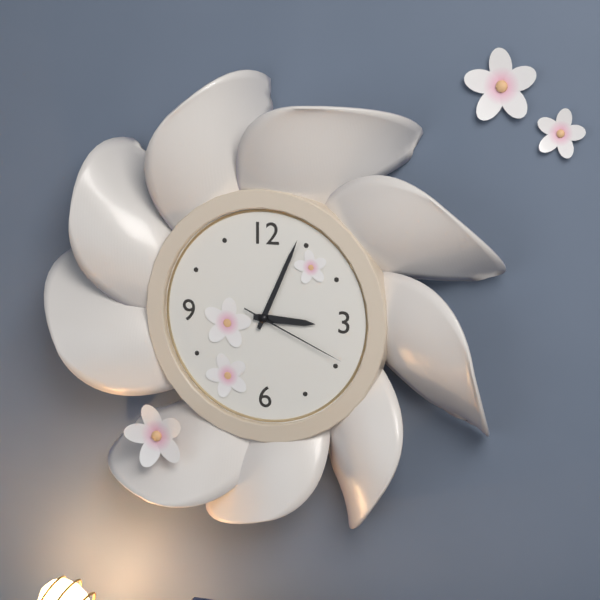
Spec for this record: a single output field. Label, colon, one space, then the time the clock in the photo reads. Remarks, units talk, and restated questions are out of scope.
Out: 3:04:19
